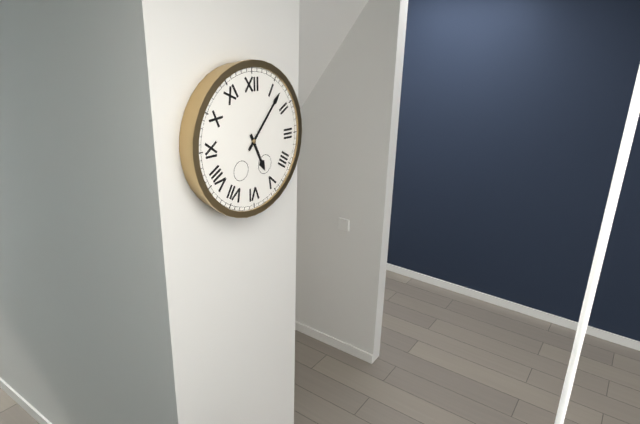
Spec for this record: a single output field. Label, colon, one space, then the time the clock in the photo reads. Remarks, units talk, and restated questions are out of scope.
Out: 5:07
